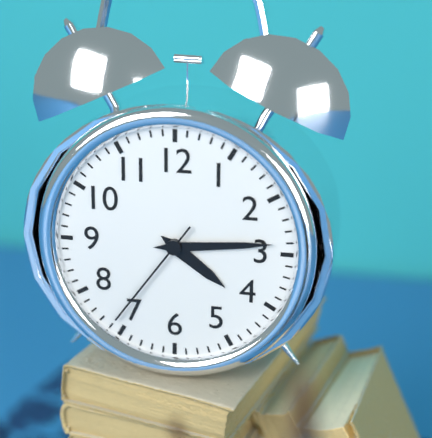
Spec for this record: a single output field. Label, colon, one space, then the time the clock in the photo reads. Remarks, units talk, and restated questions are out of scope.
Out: 4:14:36
